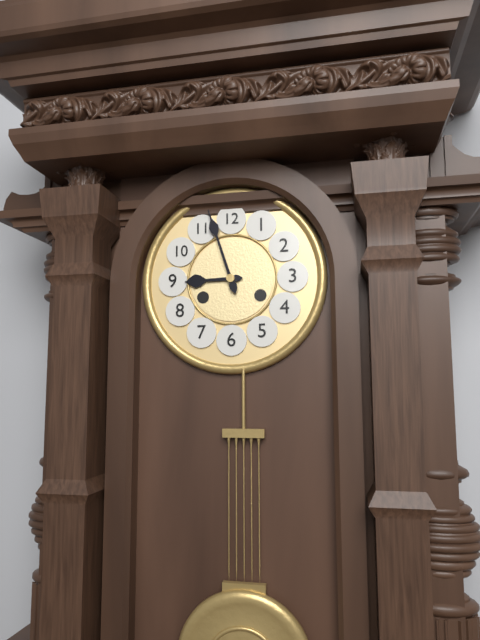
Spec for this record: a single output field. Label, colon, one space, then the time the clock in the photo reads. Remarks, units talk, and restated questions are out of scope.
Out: 8:57
